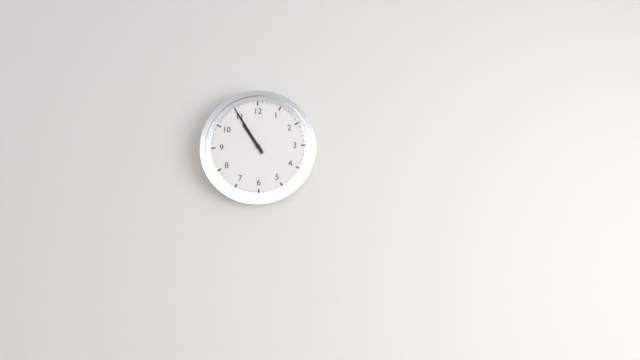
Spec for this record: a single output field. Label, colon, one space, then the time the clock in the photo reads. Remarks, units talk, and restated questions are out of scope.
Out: 10:55
